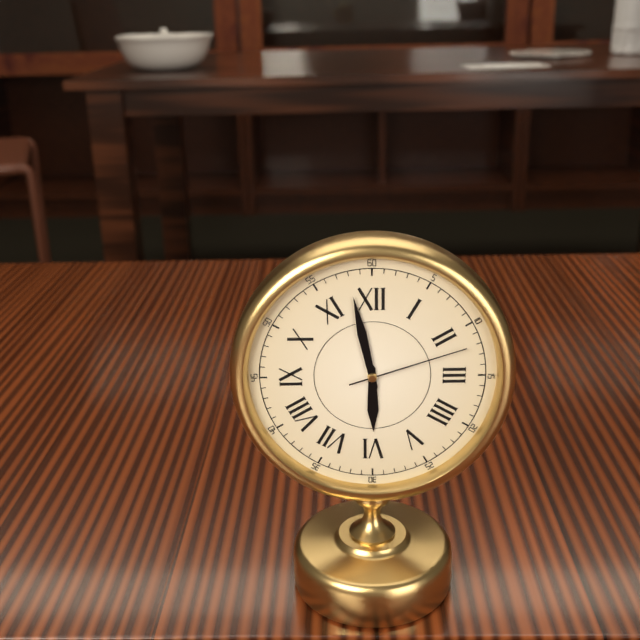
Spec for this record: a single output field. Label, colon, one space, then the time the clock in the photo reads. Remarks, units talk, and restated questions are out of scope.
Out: 5:58:12
